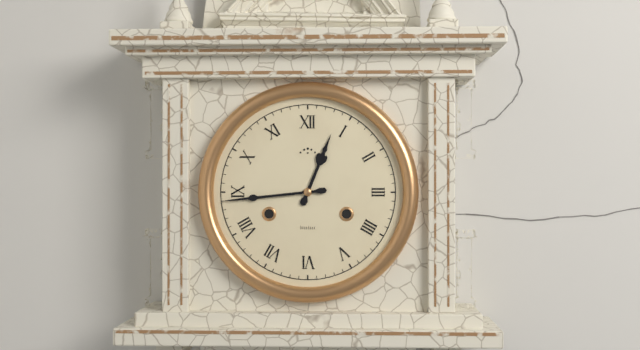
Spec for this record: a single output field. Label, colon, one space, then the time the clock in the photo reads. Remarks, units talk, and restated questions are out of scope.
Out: 12:44
